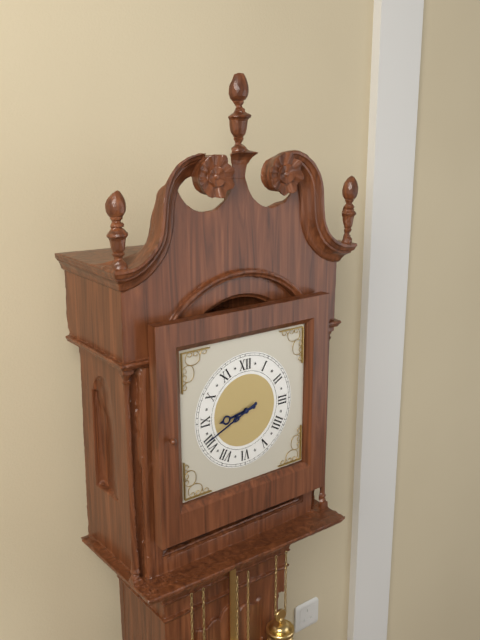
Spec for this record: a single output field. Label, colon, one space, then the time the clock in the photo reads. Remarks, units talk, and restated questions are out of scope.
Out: 8:41
